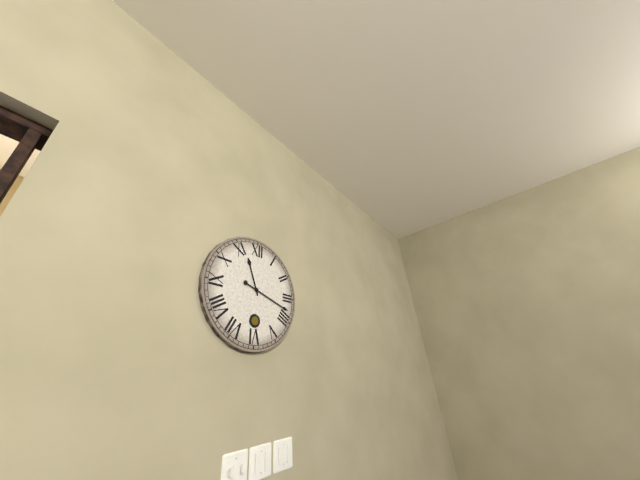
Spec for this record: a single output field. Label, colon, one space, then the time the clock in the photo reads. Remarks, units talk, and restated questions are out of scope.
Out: 11:18
